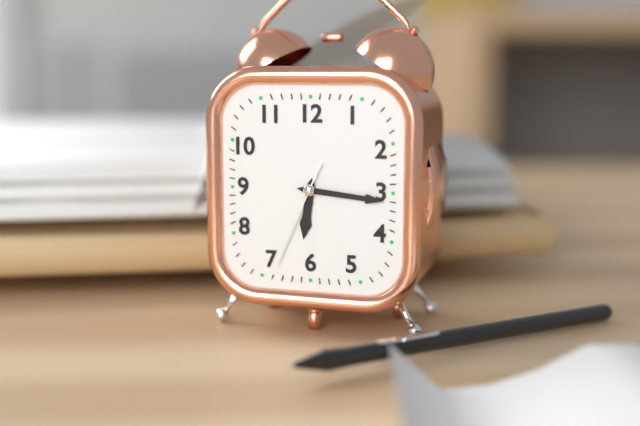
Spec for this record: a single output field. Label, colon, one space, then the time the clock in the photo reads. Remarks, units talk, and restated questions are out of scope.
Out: 6:16:34
